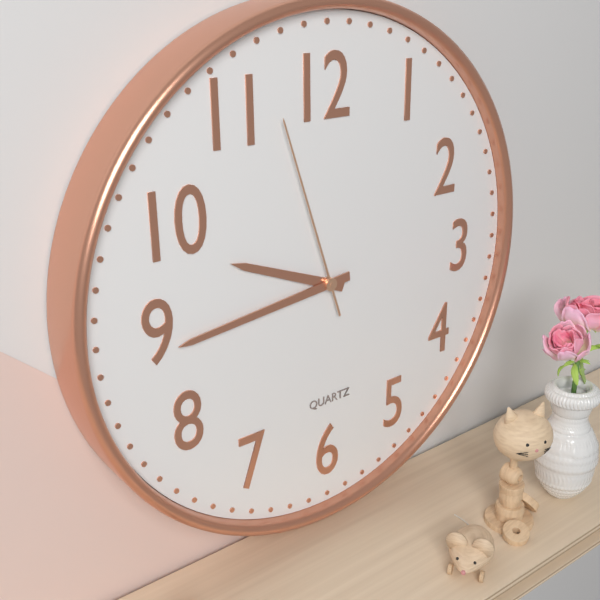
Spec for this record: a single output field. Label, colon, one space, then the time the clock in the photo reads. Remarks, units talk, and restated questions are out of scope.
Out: 9:44:57
